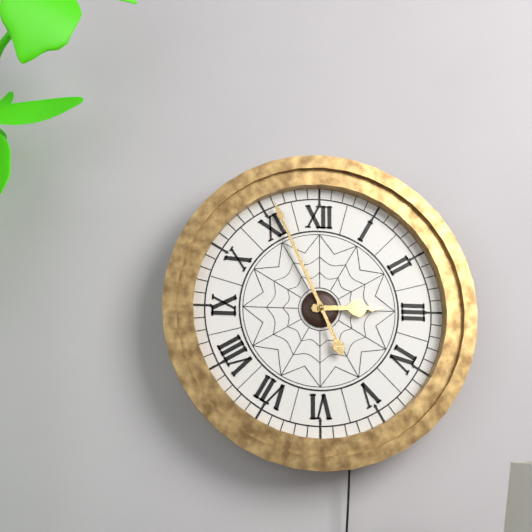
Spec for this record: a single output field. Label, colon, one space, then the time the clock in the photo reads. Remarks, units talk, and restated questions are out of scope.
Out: 2:56
